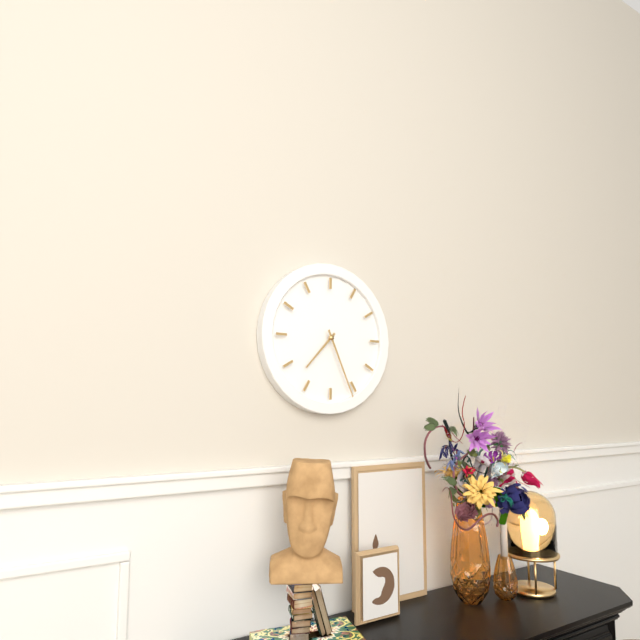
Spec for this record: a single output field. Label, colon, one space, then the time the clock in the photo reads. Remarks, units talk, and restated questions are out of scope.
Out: 7:26
